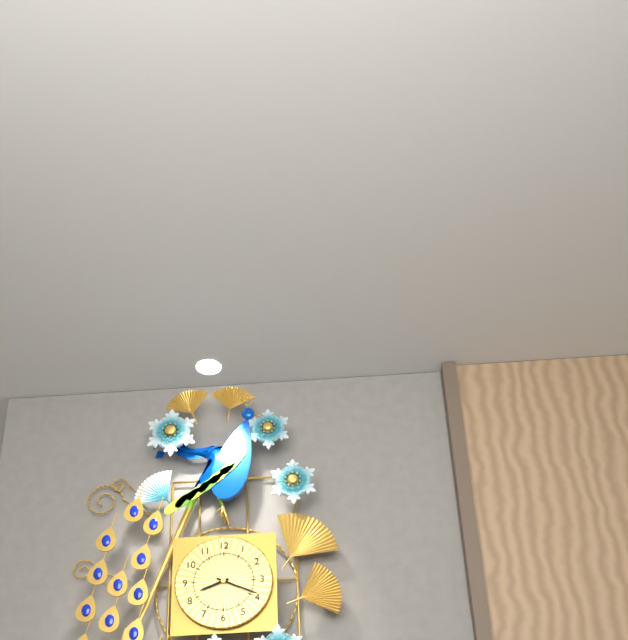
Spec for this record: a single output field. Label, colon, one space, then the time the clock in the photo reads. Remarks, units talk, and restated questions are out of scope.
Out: 8:19
